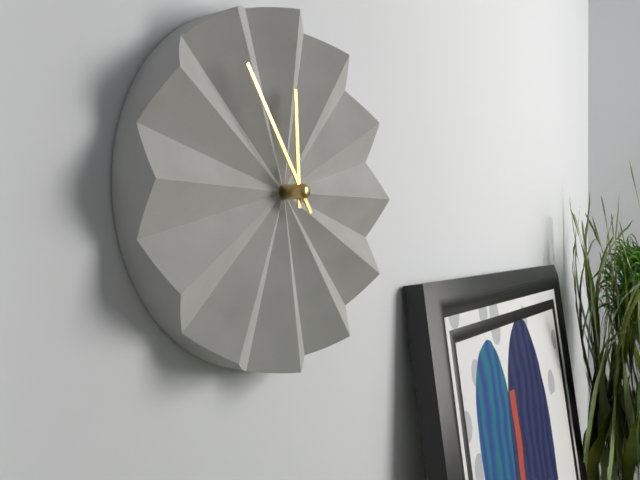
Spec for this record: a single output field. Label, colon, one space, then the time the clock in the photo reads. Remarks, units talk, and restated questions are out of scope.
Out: 11:54
